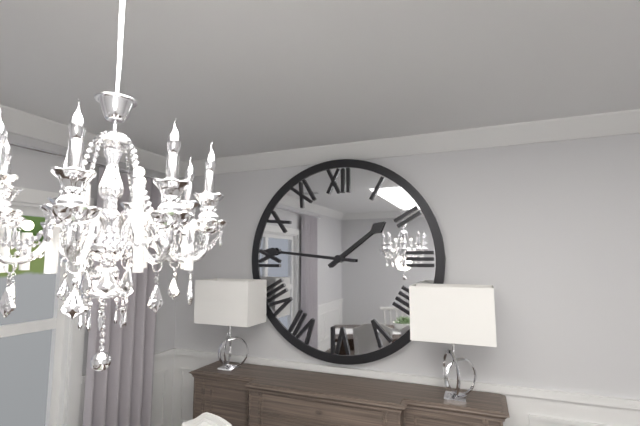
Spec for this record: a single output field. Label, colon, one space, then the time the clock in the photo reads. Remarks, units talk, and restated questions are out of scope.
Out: 1:46
